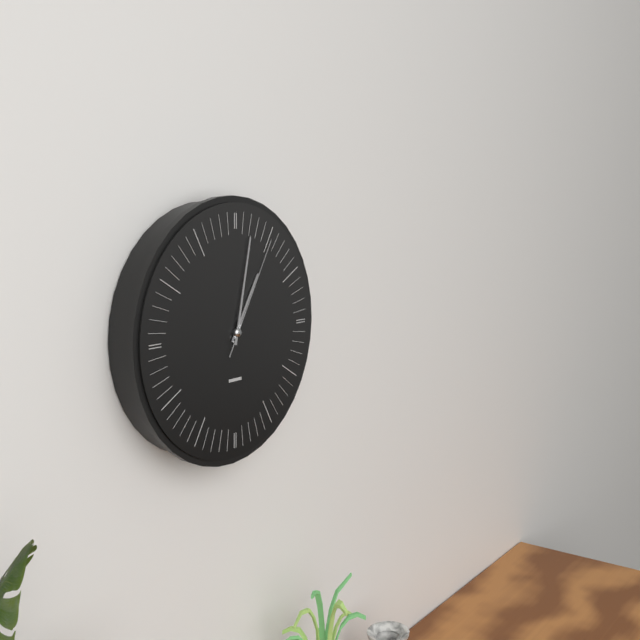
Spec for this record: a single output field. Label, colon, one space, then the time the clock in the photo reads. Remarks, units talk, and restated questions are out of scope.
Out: 1:02:05
